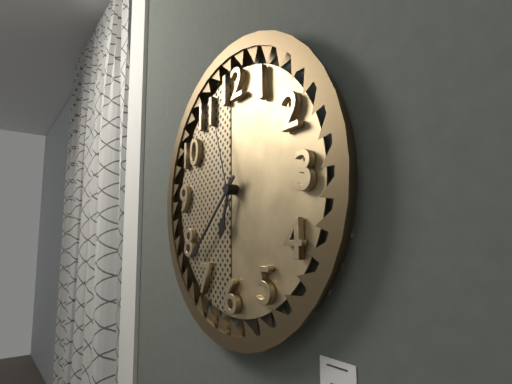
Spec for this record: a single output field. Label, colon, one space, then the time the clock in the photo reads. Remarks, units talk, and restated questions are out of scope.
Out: 6:38:57
